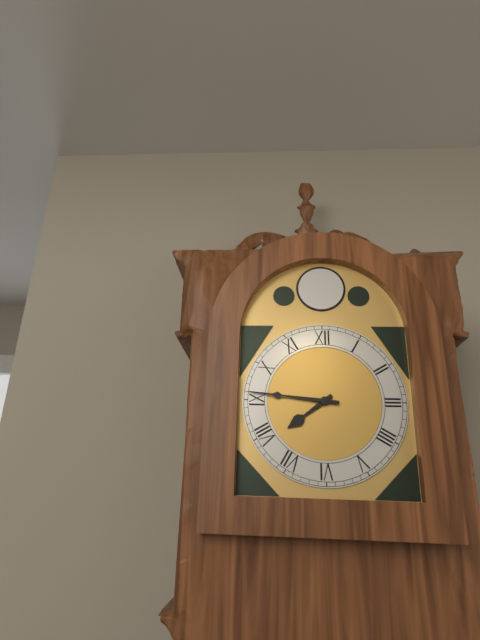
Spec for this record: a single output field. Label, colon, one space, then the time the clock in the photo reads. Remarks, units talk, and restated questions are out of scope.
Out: 7:46
